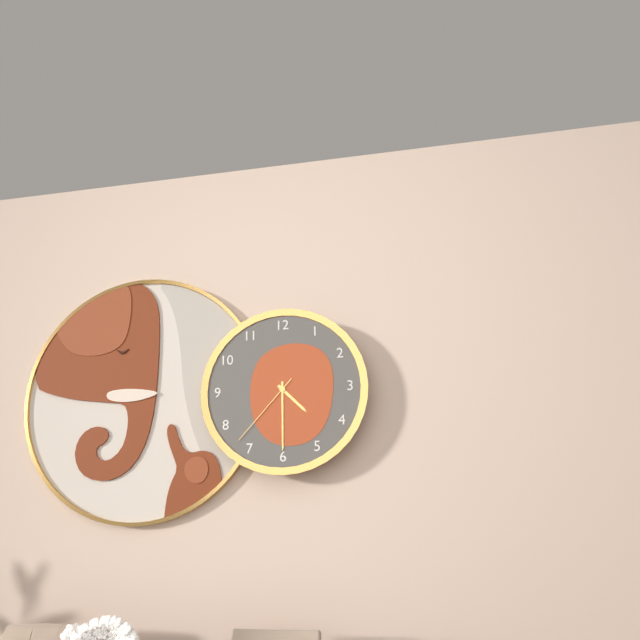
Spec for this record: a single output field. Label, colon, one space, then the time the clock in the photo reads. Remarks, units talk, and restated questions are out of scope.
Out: 4:30:37
